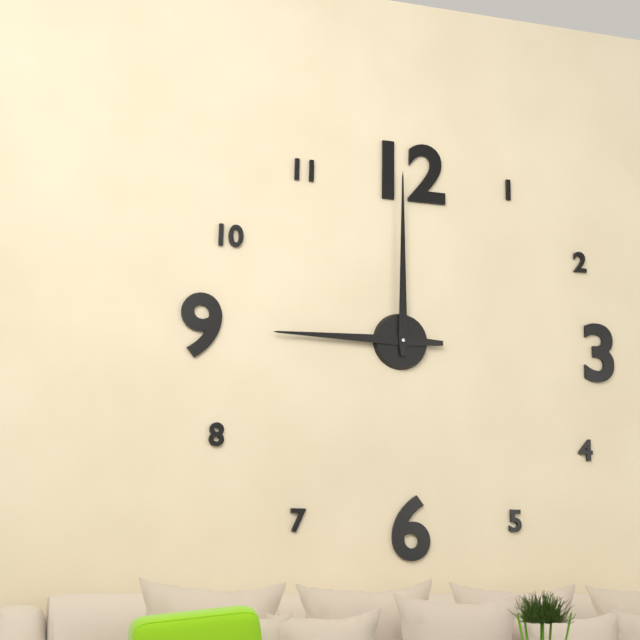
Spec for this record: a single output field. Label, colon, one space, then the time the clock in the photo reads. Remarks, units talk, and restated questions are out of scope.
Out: 9:00
